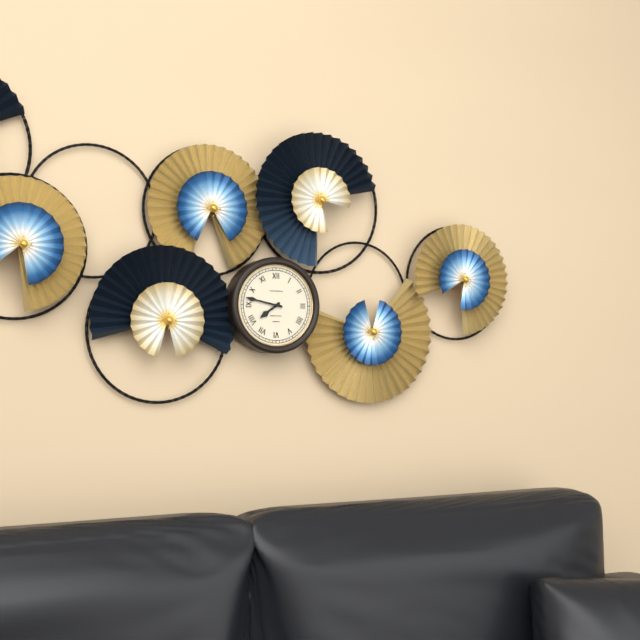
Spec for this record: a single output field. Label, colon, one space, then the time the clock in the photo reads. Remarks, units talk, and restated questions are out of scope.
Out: 7:47
